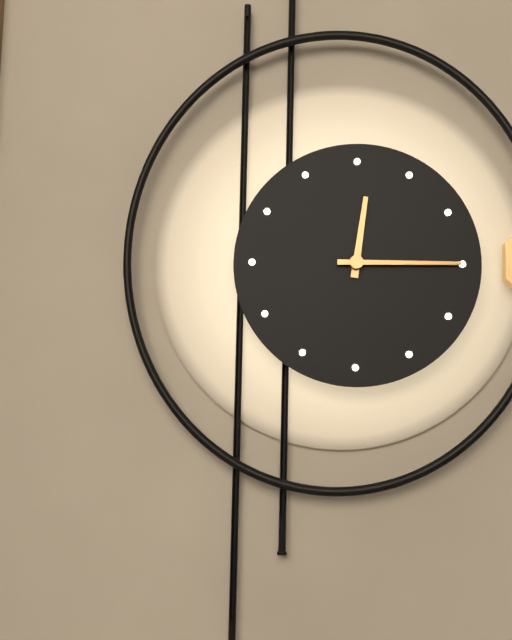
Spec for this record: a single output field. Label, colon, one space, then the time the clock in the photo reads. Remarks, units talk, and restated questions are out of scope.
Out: 12:15
